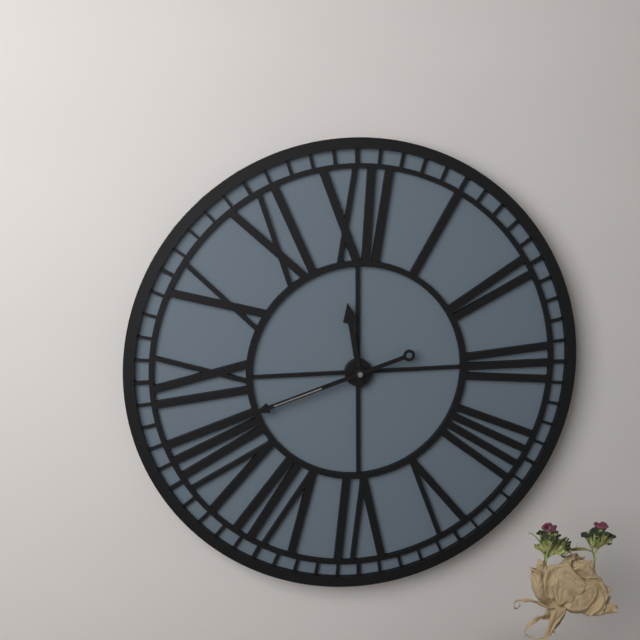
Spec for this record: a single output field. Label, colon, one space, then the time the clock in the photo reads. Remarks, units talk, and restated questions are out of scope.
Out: 11:42
